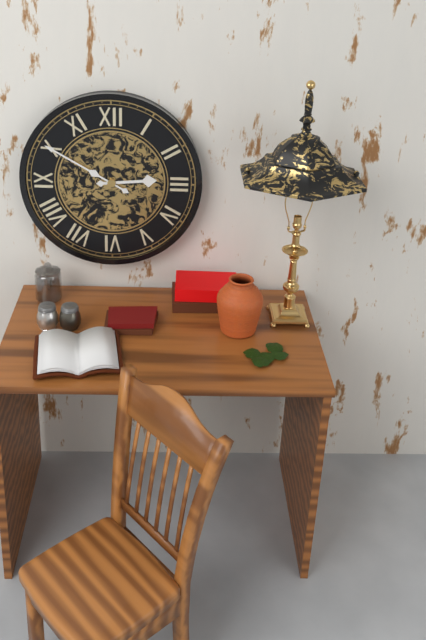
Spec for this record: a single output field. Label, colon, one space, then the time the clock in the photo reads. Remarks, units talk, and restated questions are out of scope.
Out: 2:50
